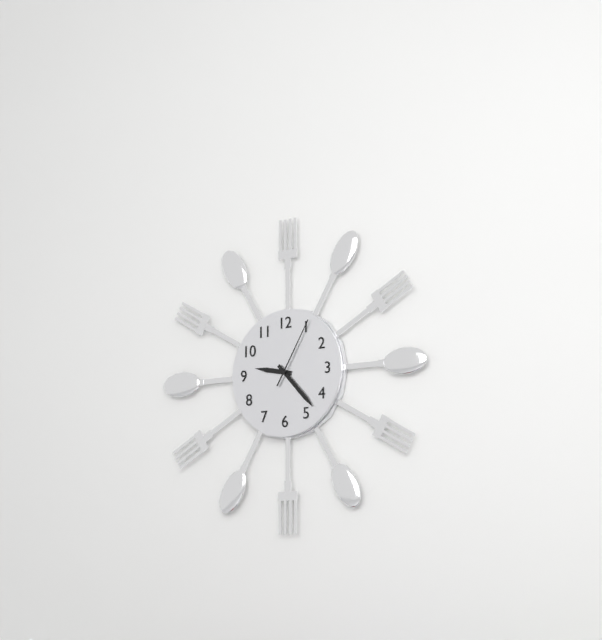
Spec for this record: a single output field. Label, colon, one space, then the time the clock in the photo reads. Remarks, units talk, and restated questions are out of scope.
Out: 9:23:05
